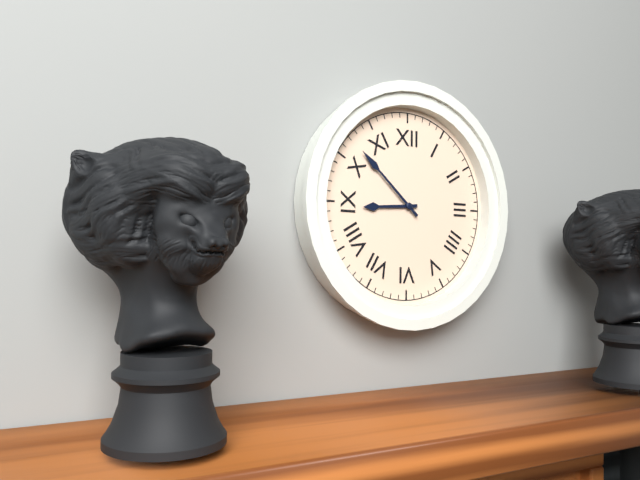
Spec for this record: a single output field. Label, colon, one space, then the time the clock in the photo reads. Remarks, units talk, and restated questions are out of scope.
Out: 8:52
